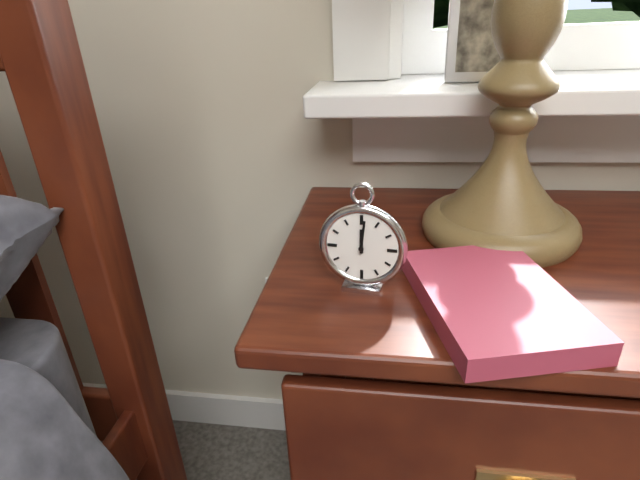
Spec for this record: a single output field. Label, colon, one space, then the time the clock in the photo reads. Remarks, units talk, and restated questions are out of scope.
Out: 12:01
